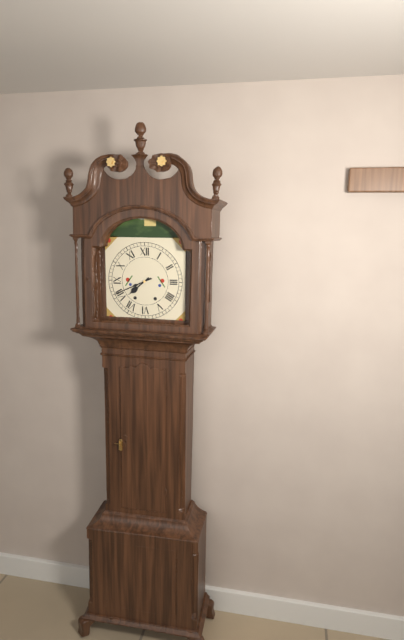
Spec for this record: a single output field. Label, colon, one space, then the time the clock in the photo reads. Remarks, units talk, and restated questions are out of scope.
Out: 7:41
